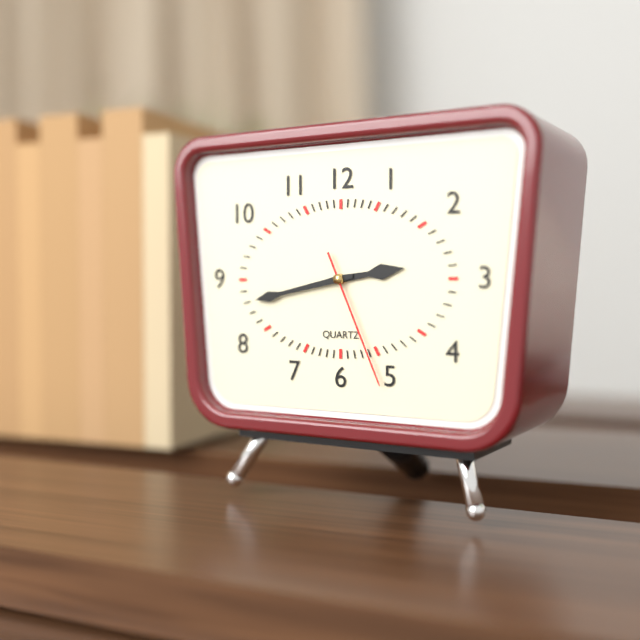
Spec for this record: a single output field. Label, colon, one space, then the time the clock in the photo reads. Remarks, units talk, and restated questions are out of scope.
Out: 2:43:26
